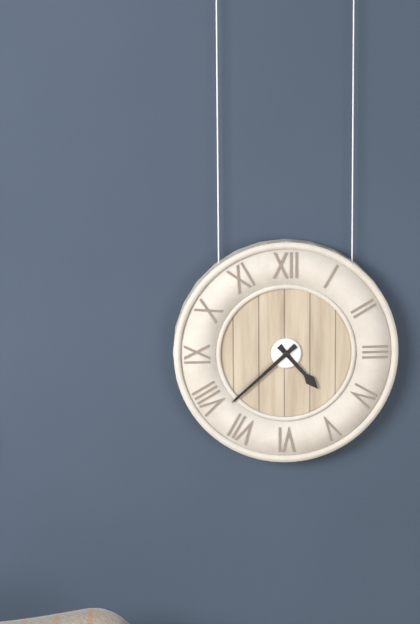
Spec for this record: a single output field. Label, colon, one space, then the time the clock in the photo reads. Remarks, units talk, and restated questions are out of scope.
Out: 4:38
